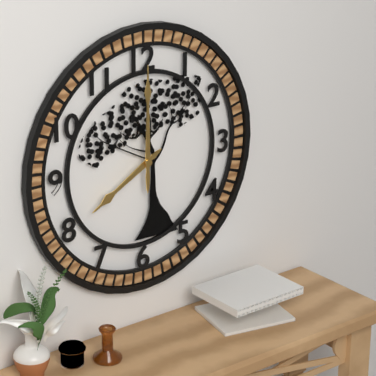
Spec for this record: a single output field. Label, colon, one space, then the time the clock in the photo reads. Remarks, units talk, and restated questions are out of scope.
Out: 8:00
